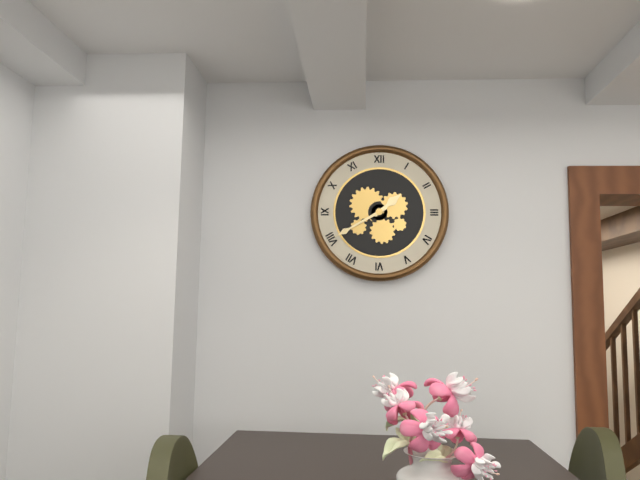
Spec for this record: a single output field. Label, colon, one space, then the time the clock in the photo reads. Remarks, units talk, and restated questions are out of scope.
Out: 1:40
